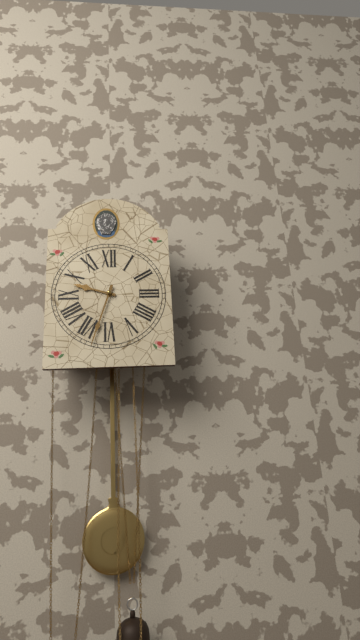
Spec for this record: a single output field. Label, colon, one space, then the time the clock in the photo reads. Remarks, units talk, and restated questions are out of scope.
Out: 9:33
